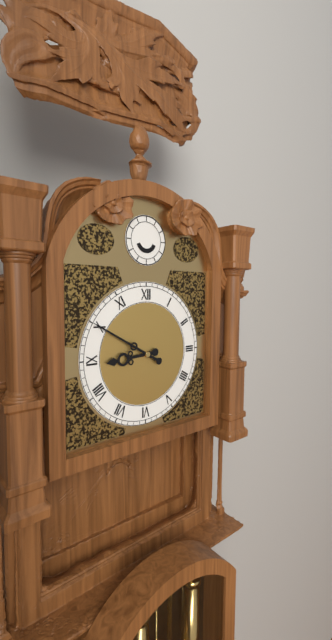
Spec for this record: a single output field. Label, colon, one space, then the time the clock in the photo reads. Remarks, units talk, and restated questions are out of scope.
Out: 8:50
